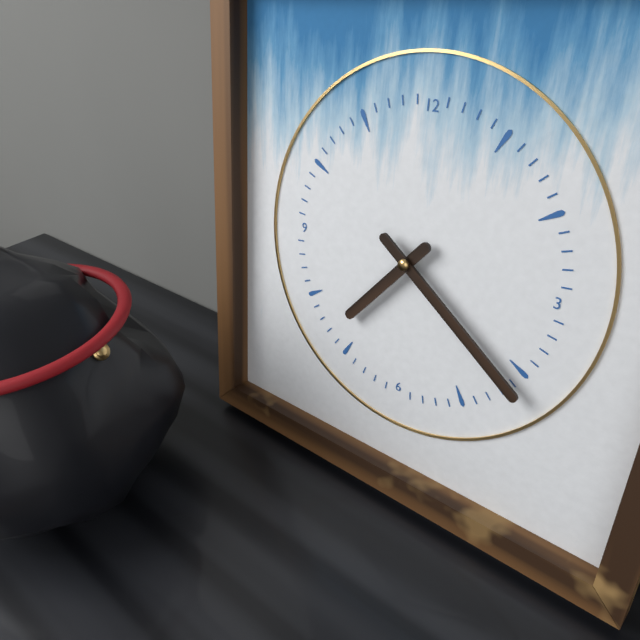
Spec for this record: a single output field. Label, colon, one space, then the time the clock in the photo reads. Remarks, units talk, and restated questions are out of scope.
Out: 7:21
